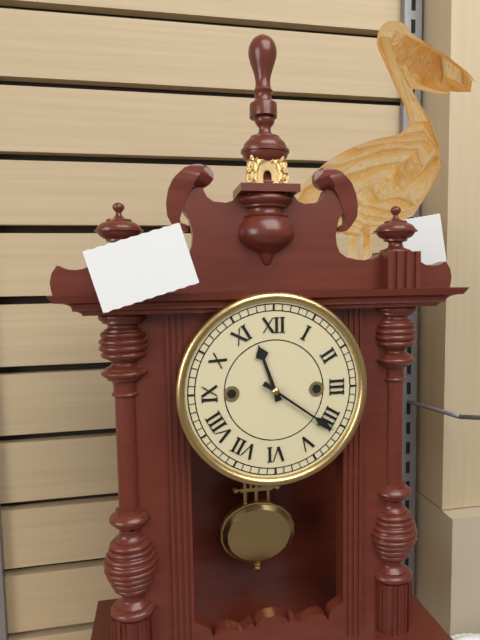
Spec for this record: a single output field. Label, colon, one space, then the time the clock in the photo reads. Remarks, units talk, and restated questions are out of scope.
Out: 11:21
